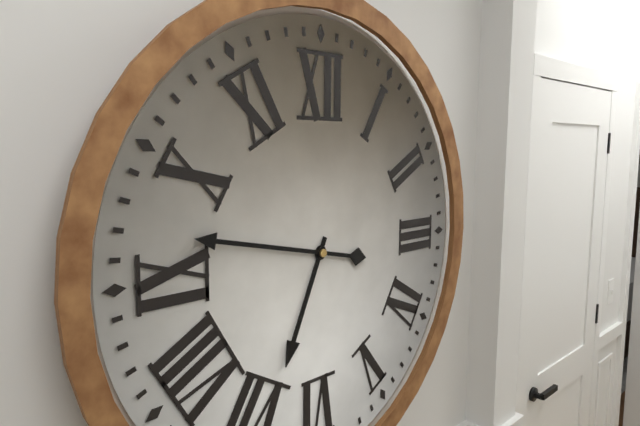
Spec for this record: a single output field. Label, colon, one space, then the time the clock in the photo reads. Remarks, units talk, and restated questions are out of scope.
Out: 6:47
